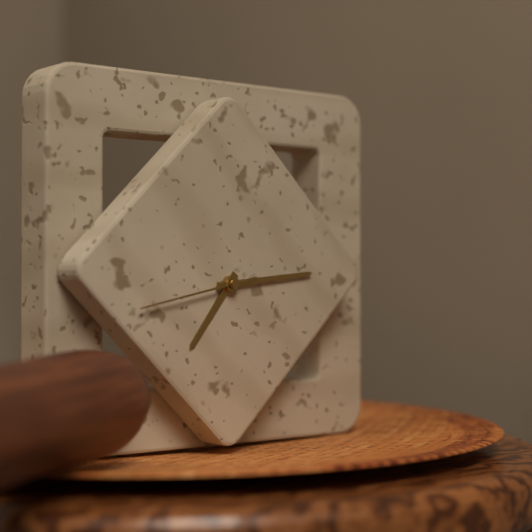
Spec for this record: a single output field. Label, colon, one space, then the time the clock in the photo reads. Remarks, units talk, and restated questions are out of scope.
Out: 7:14:43
